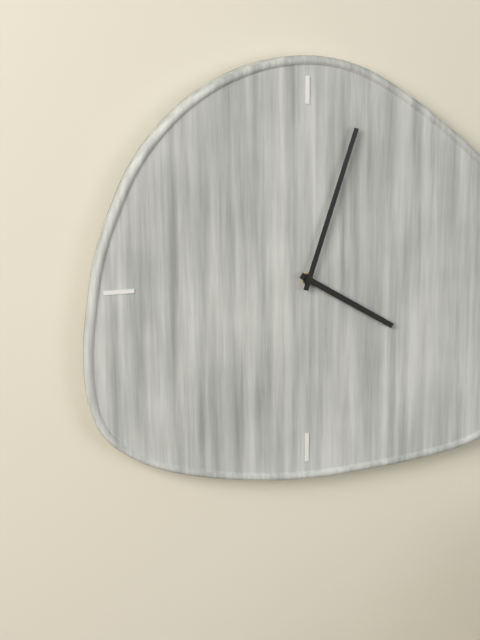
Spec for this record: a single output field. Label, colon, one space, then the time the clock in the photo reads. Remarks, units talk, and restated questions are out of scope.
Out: 4:03
